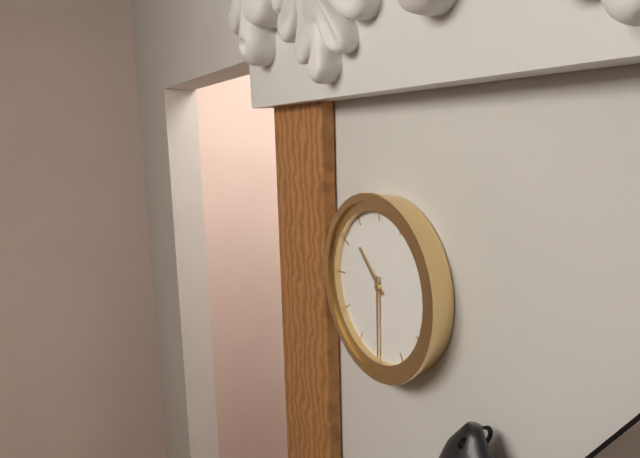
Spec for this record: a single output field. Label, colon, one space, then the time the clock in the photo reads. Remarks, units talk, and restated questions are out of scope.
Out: 10:30
